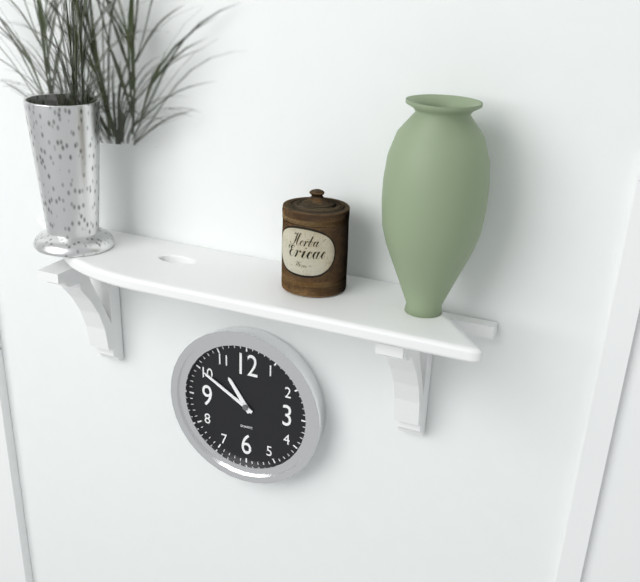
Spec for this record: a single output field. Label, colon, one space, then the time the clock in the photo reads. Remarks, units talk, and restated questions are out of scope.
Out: 10:50
